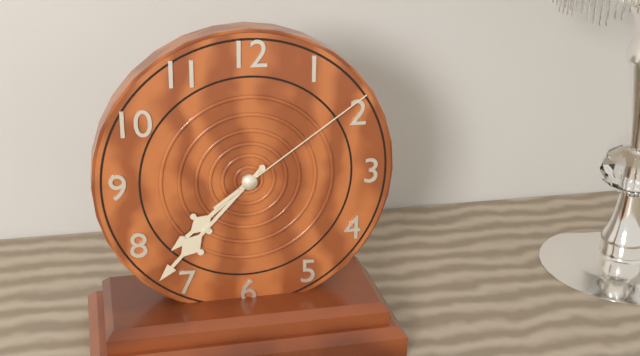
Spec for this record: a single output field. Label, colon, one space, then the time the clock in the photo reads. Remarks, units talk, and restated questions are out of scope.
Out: 7:37:09
